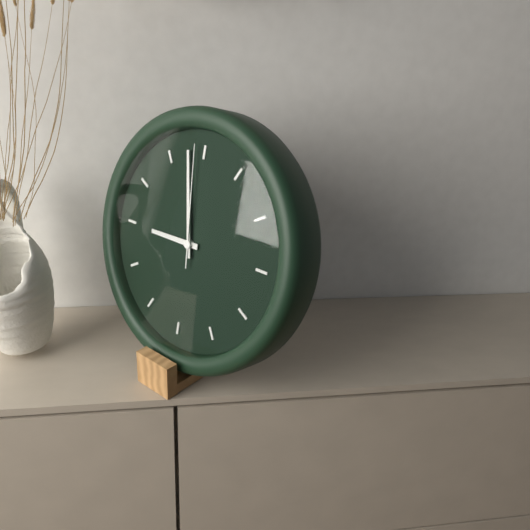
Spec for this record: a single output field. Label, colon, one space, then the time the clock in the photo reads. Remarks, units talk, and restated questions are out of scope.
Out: 8:58:59
